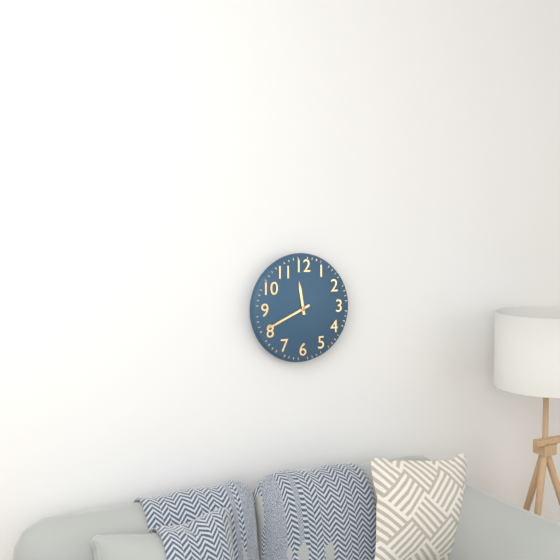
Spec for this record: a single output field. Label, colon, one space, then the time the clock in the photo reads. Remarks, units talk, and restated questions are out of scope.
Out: 11:41
